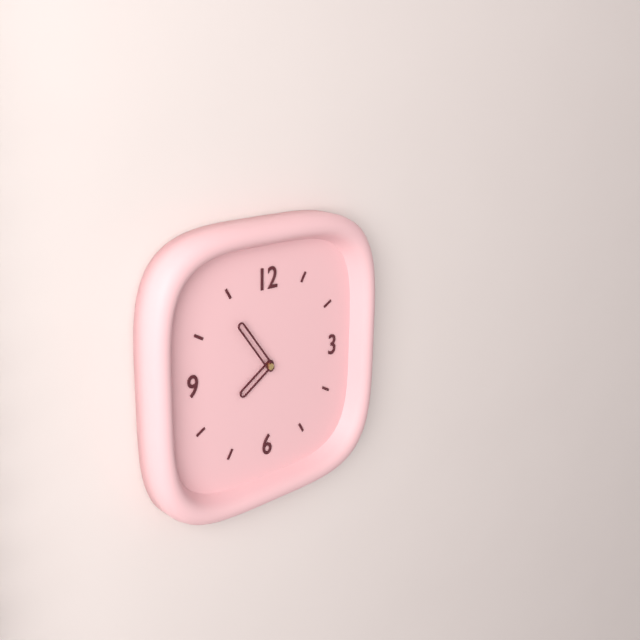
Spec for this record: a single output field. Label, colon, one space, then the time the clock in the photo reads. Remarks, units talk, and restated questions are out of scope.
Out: 7:54
